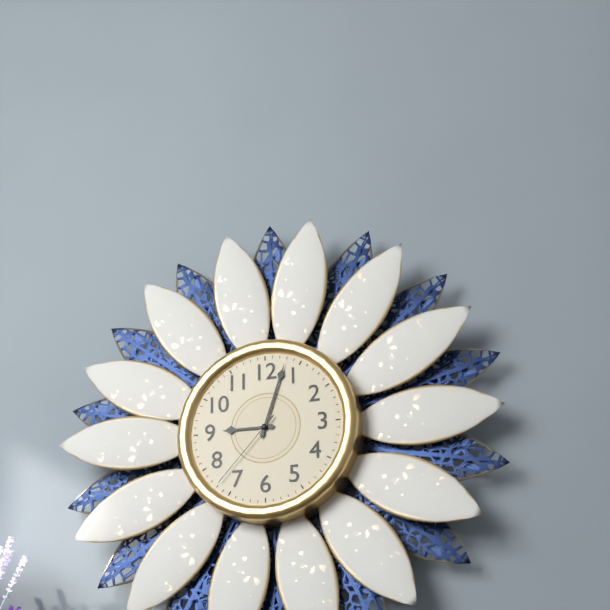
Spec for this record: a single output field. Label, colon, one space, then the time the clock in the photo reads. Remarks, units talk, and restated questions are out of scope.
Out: 9:03:37
